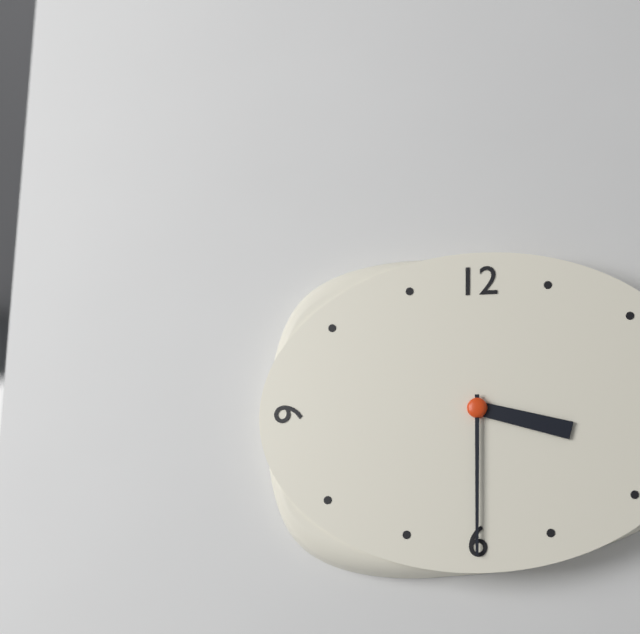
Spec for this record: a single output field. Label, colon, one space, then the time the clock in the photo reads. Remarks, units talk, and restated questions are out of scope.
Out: 3:30
